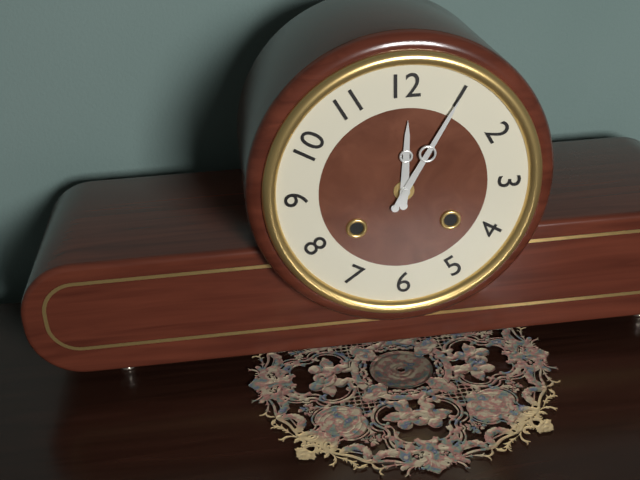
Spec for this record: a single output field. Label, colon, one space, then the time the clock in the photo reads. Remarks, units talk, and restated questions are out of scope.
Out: 12:05
